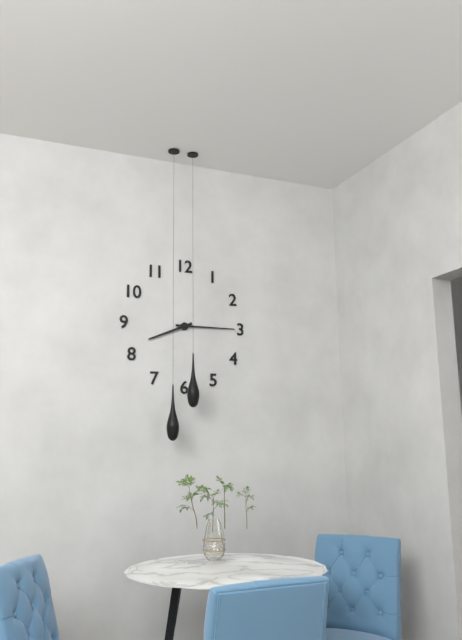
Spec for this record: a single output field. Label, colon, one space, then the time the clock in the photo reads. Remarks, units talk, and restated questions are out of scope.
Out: 8:15
